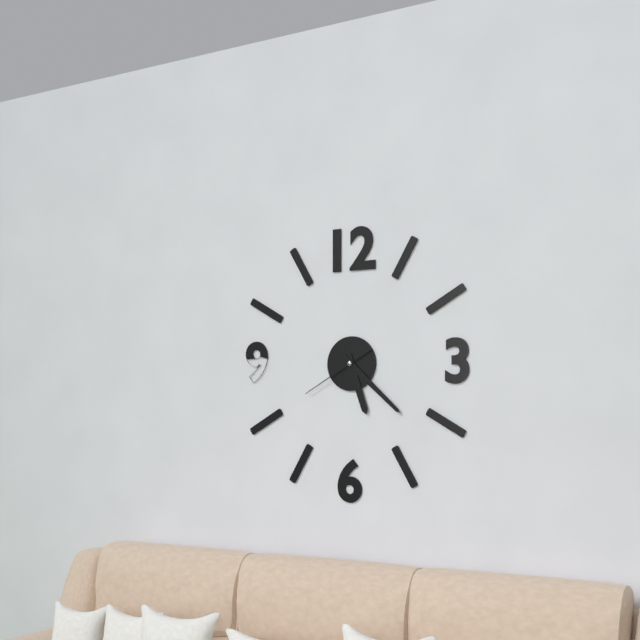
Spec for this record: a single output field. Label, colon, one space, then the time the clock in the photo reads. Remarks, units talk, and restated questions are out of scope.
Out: 5:22:40
